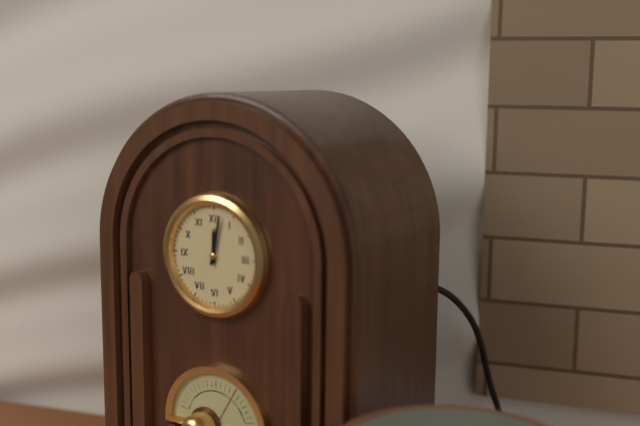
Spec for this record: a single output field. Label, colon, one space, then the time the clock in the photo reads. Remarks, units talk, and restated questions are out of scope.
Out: 12:02
